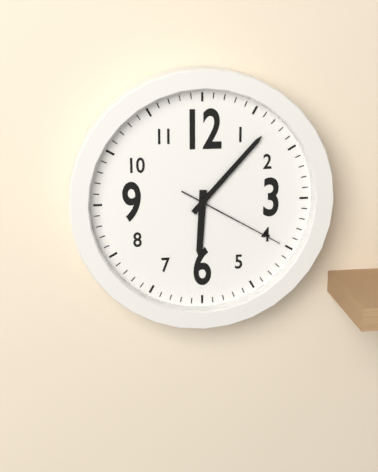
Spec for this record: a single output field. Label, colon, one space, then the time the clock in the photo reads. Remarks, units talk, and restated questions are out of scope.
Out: 6:07:20
